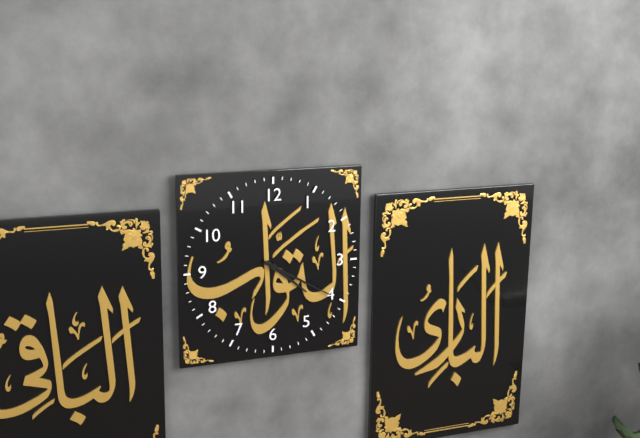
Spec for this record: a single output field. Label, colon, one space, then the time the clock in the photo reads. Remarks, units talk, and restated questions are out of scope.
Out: 4:20
